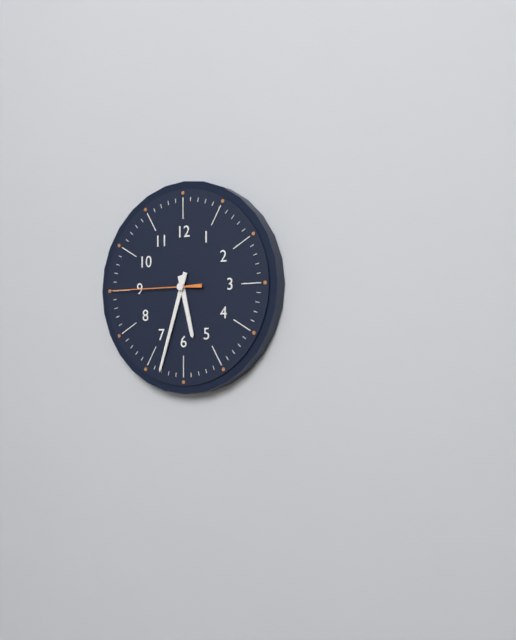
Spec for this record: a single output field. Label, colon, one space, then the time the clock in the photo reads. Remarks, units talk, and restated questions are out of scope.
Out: 5:33:45
